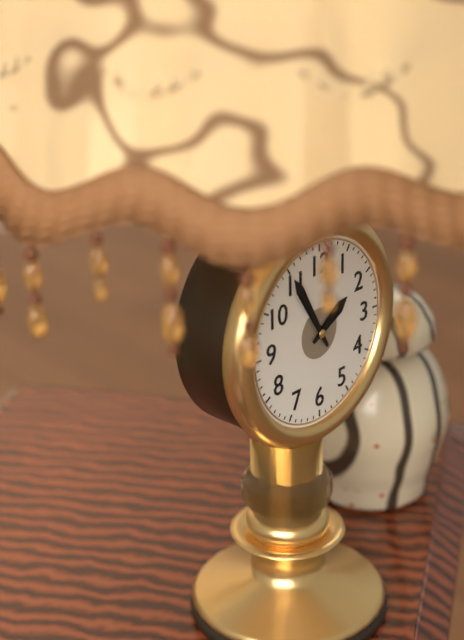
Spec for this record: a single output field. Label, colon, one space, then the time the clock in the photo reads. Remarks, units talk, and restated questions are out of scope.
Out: 1:55
